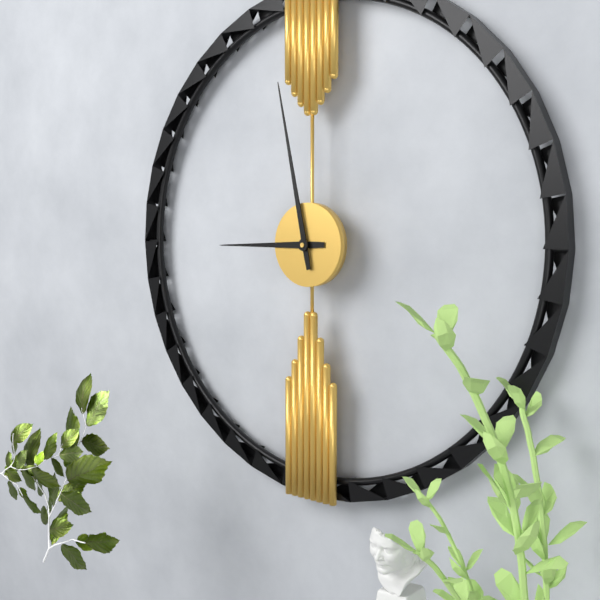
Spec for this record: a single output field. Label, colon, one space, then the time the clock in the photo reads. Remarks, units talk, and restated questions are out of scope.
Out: 8:58
